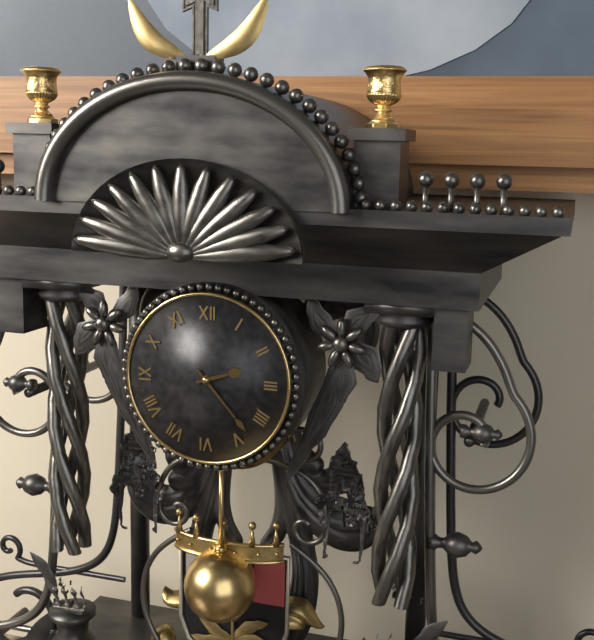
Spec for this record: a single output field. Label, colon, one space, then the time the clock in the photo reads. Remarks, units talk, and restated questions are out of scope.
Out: 2:23
